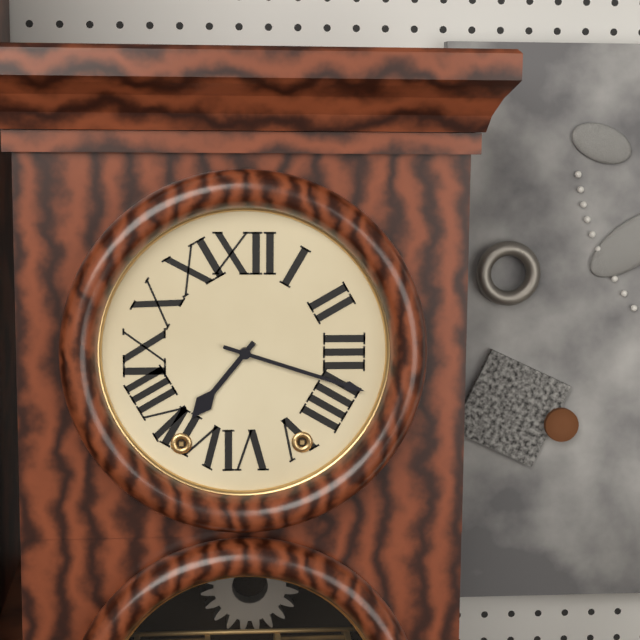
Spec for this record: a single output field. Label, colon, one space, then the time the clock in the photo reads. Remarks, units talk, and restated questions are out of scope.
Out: 7:18
